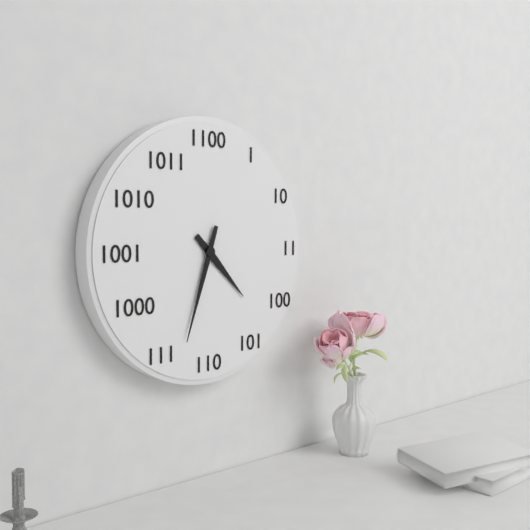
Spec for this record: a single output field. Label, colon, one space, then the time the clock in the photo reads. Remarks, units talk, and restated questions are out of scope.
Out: 4:33
